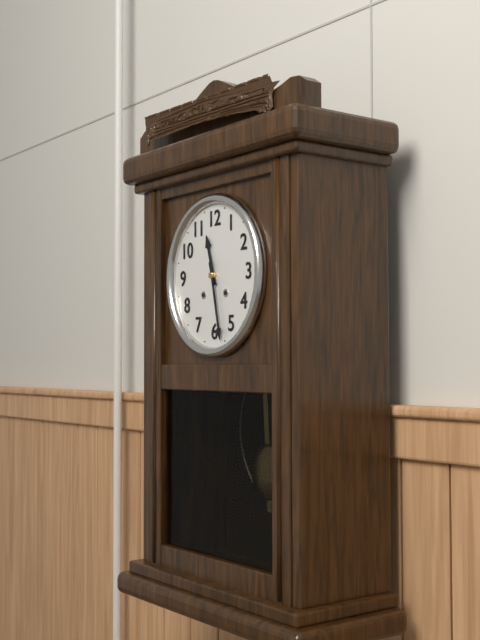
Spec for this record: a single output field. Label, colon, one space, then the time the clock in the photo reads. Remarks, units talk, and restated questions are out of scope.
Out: 11:28
